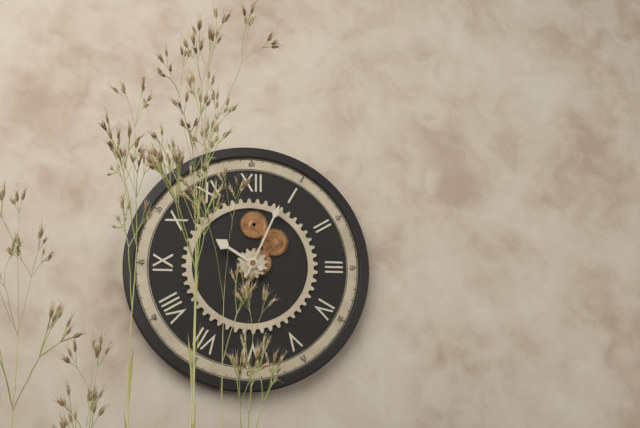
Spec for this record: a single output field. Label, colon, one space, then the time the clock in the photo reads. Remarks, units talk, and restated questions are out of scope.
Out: 10:04
